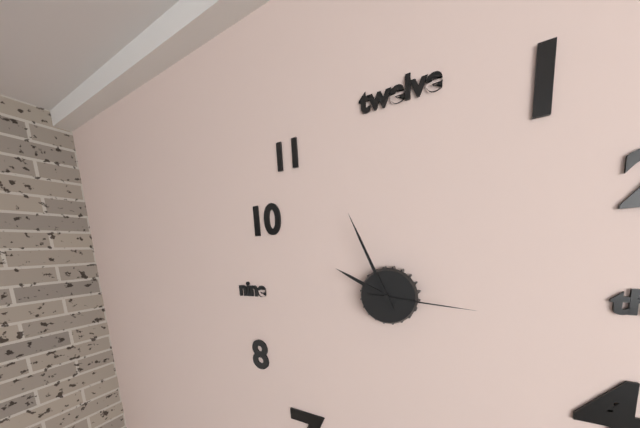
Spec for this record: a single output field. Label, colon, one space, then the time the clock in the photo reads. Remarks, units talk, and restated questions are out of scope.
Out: 9:56:16
